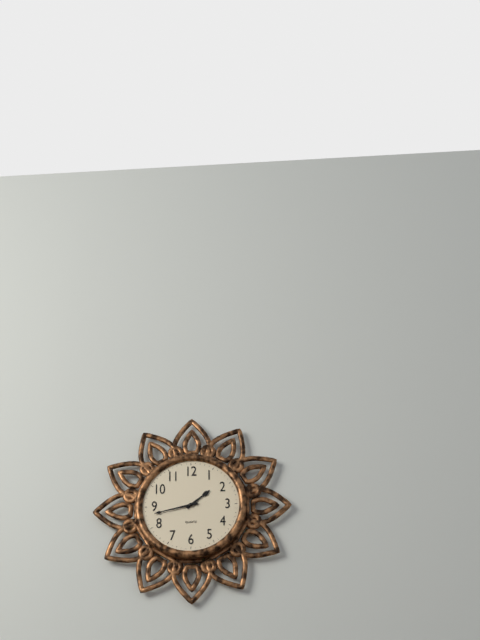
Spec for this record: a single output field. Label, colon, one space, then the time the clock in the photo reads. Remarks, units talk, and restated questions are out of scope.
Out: 1:43
